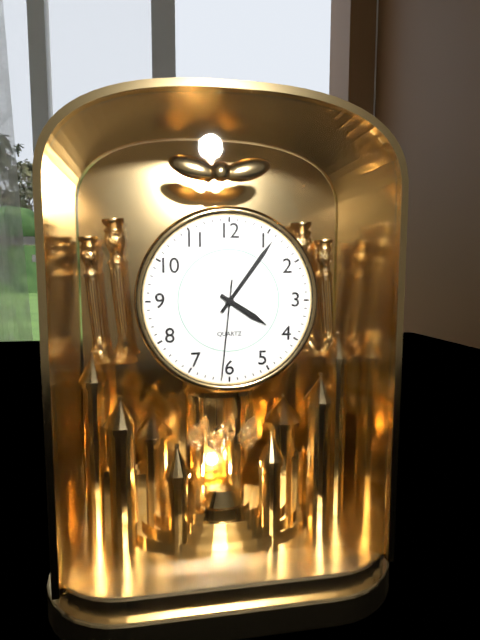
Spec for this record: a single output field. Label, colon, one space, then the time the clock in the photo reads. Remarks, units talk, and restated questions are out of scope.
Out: 4:06:31
